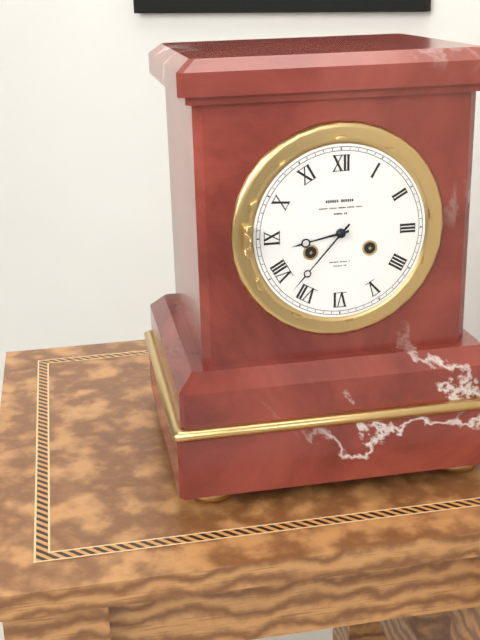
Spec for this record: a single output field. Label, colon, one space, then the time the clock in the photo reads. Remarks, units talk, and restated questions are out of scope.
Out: 8:37
